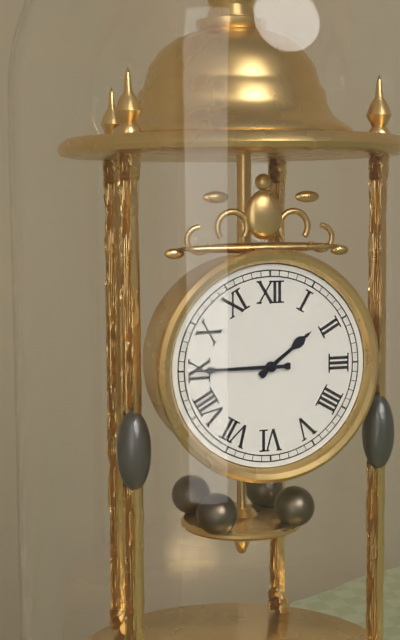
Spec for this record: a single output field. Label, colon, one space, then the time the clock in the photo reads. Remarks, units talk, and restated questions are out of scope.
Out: 1:45
